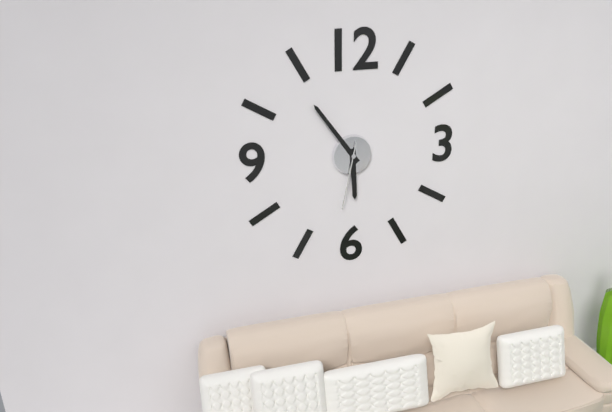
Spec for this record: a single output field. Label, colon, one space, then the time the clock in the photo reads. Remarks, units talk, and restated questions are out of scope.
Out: 5:54:32
